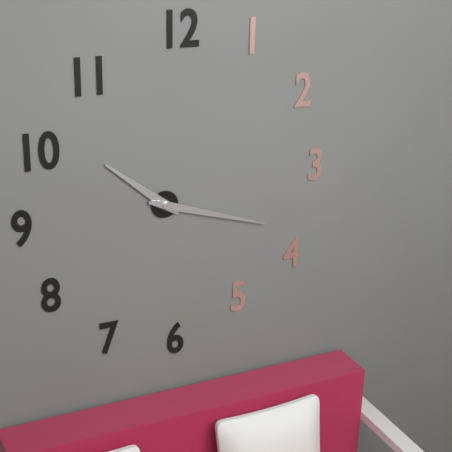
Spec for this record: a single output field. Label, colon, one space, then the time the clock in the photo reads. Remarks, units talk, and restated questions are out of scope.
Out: 10:18
